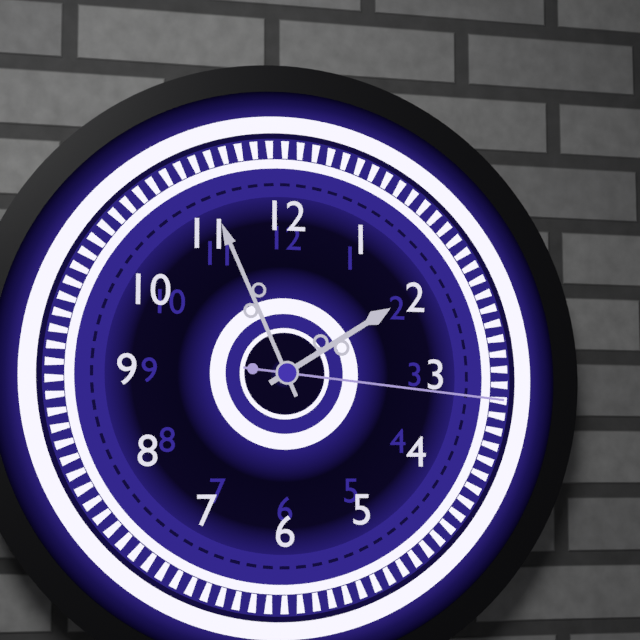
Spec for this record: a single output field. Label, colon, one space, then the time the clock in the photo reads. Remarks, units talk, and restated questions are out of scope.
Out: 1:56:16
